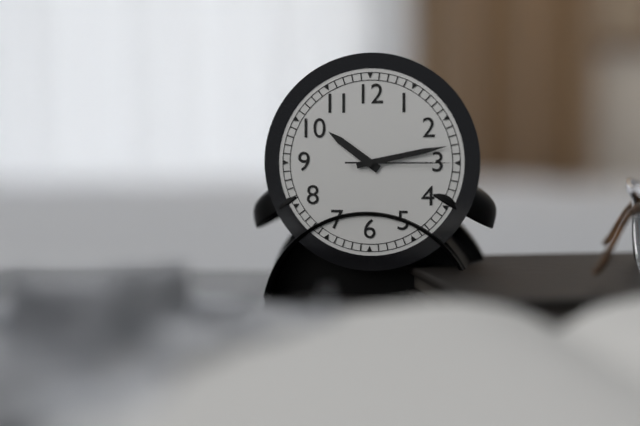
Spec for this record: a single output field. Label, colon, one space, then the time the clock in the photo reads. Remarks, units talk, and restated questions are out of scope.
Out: 10:13:15
